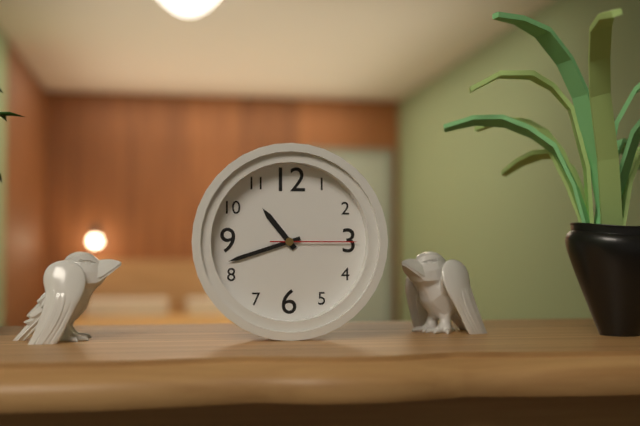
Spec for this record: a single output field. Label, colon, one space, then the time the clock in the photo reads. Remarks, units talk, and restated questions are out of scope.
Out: 10:42:15
